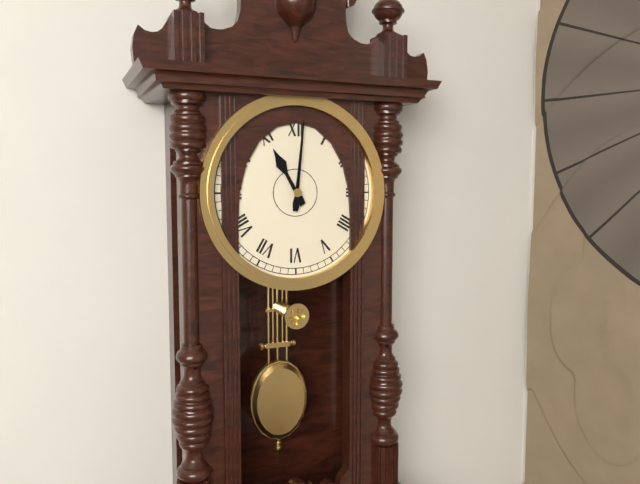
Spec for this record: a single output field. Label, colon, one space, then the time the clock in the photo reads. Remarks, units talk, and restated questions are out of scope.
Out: 11:01
